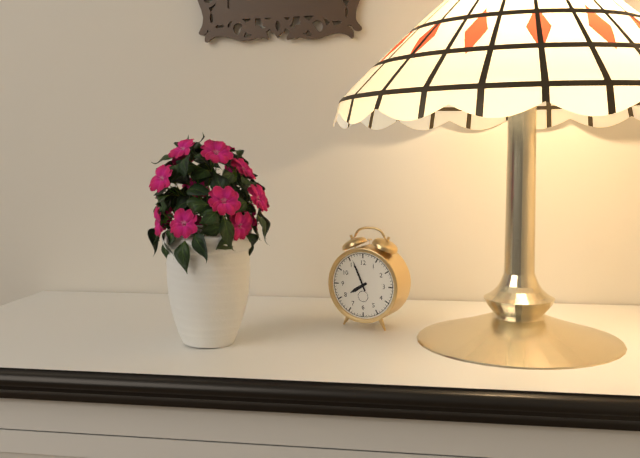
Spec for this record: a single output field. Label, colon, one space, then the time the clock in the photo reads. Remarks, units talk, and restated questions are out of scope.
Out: 7:56
